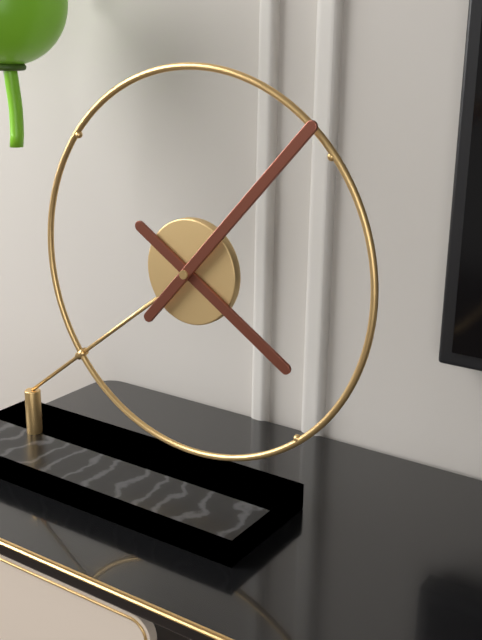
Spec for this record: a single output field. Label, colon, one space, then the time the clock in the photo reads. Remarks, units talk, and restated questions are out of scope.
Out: 4:07
